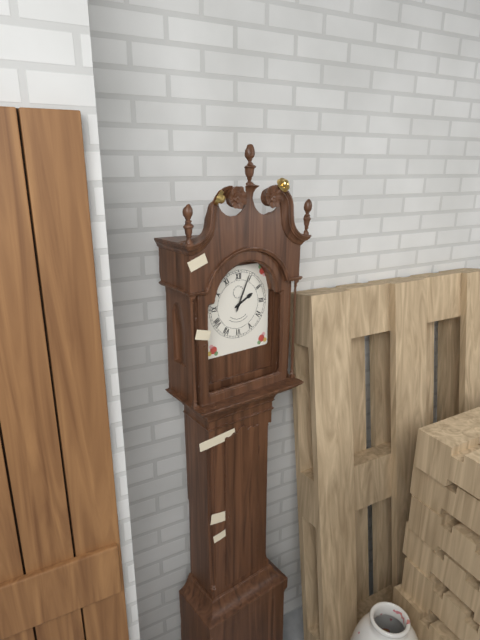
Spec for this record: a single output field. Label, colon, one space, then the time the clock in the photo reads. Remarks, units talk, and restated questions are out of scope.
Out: 2:04
